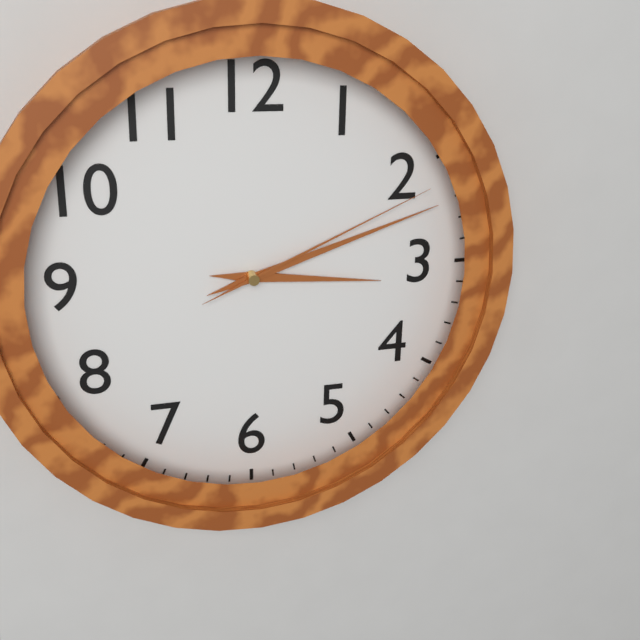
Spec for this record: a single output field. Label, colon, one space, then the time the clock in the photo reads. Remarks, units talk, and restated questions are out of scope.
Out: 3:12:11
